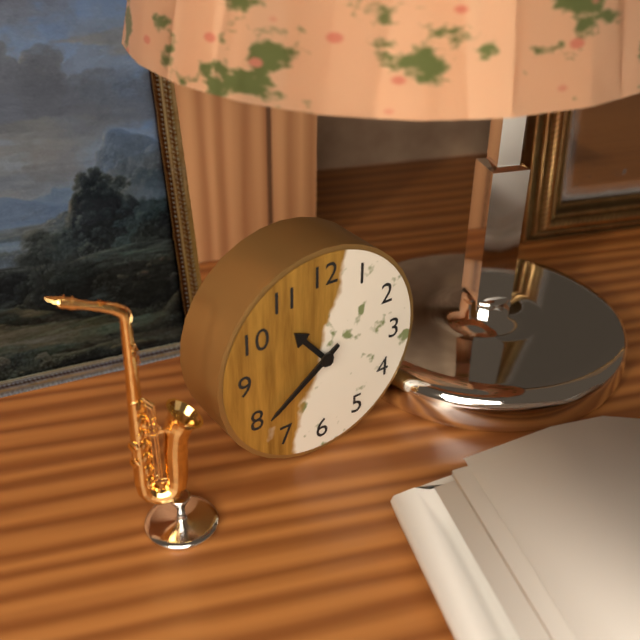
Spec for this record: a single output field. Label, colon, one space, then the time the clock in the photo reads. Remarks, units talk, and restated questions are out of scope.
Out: 10:39
